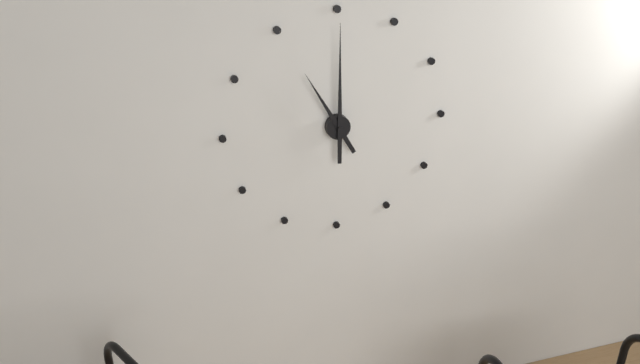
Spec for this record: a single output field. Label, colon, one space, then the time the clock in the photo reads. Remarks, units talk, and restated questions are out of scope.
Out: 11:00
